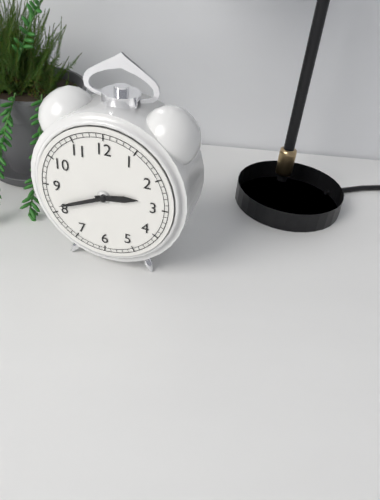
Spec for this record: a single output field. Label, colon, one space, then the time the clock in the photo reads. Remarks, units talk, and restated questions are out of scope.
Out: 2:41
